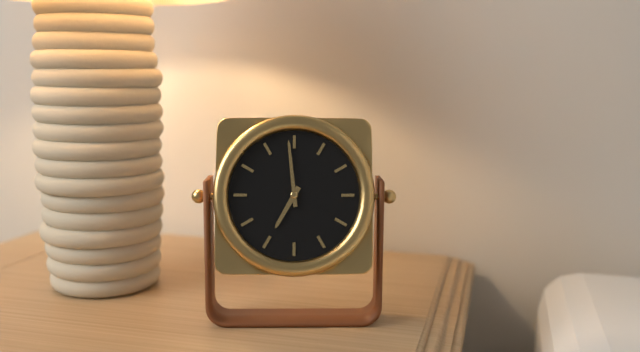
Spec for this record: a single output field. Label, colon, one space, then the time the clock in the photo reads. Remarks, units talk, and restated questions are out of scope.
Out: 6:59
